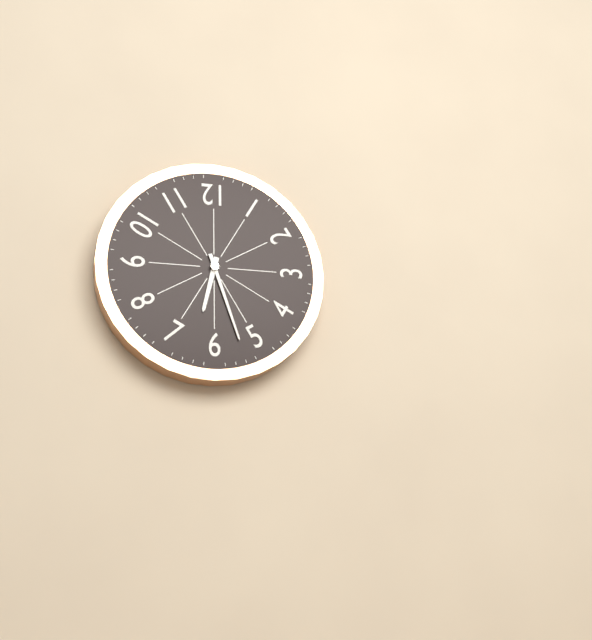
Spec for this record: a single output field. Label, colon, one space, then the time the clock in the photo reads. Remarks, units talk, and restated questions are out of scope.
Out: 6:27
